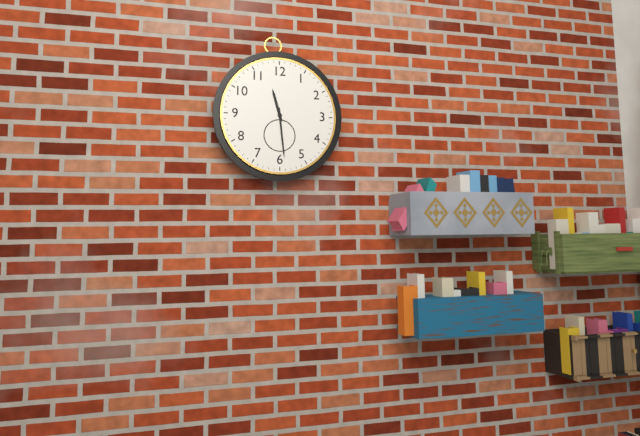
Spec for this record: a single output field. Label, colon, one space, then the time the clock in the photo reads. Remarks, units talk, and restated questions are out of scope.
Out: 11:29
